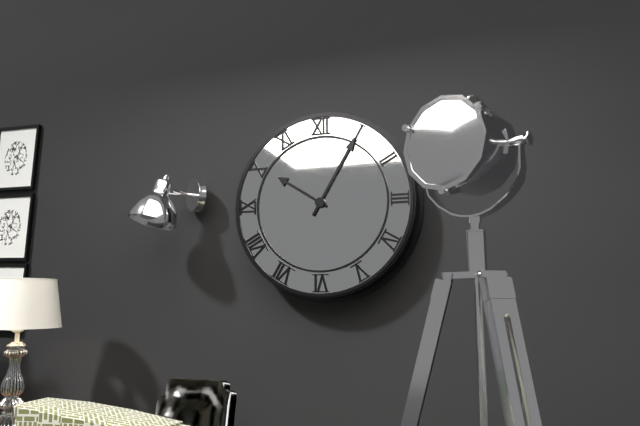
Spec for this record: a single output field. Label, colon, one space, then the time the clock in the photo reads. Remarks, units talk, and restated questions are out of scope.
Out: 10:05
